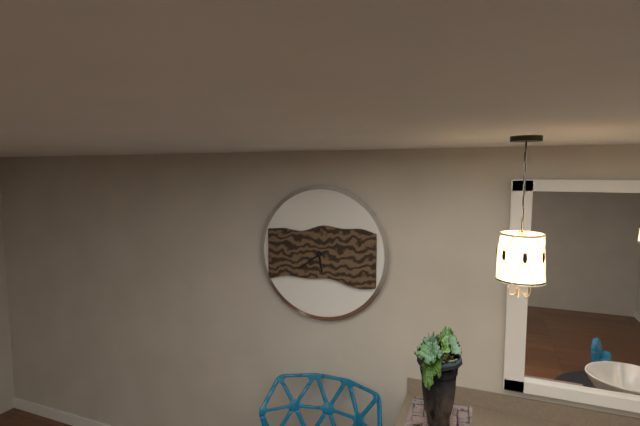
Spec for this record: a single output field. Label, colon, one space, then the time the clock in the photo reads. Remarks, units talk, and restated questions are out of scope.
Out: 5:39
